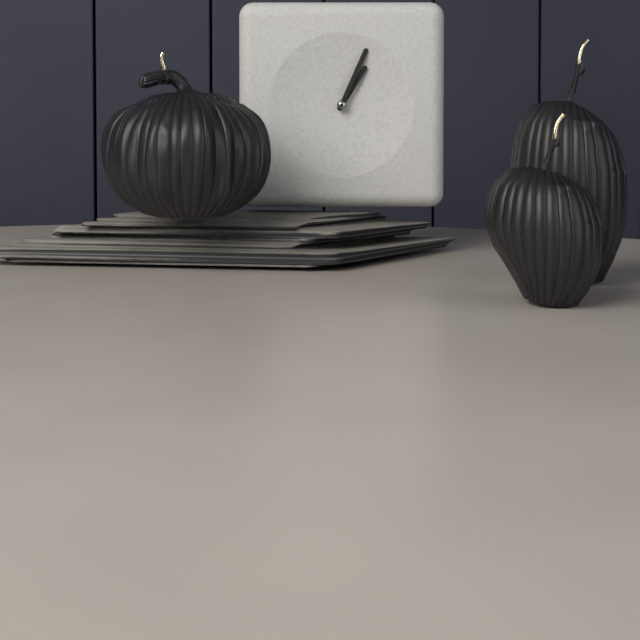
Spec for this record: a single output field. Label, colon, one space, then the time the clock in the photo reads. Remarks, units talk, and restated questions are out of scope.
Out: 1:04
